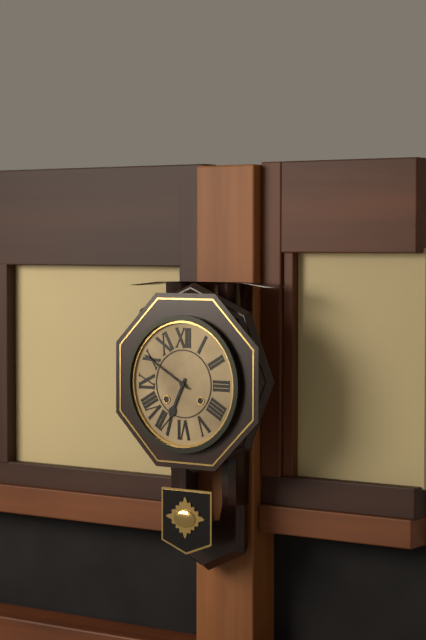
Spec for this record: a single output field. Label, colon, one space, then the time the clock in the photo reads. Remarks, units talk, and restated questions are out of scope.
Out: 6:50
